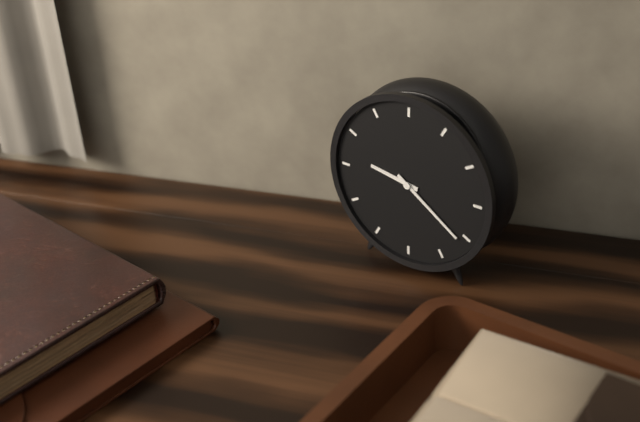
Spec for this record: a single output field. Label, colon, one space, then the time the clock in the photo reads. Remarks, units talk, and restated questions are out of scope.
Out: 9:21
